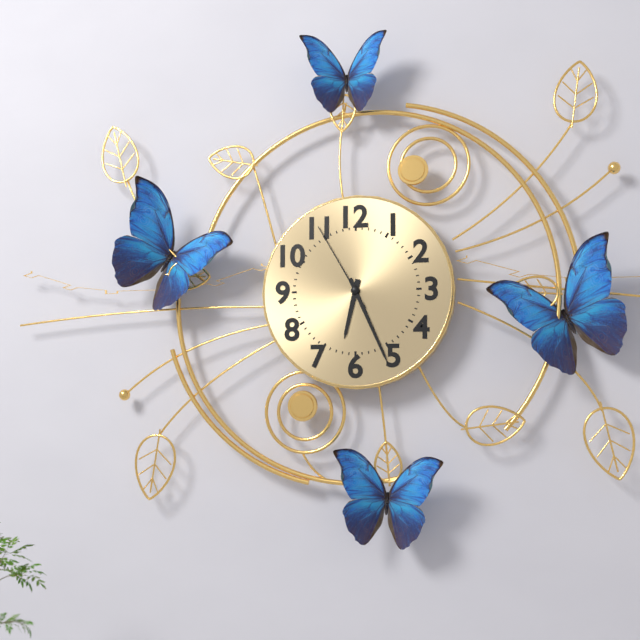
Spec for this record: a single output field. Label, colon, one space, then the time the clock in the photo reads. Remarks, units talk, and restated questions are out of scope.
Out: 6:26:55
